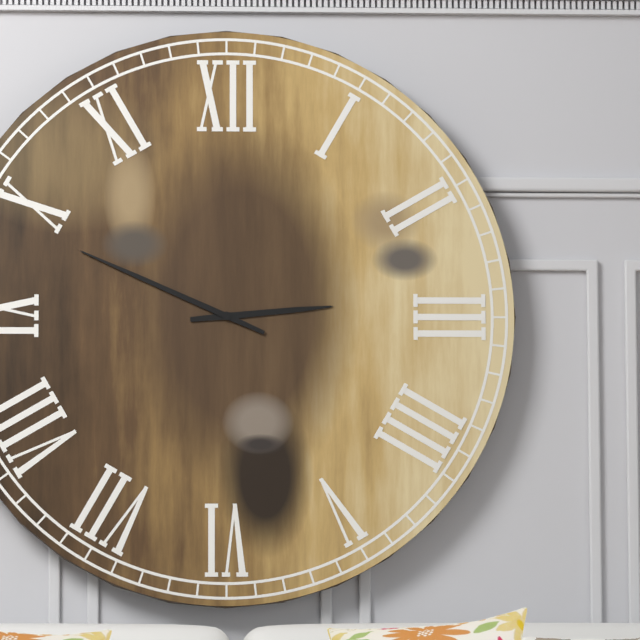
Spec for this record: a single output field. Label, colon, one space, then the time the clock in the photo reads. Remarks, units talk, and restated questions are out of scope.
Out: 2:49
